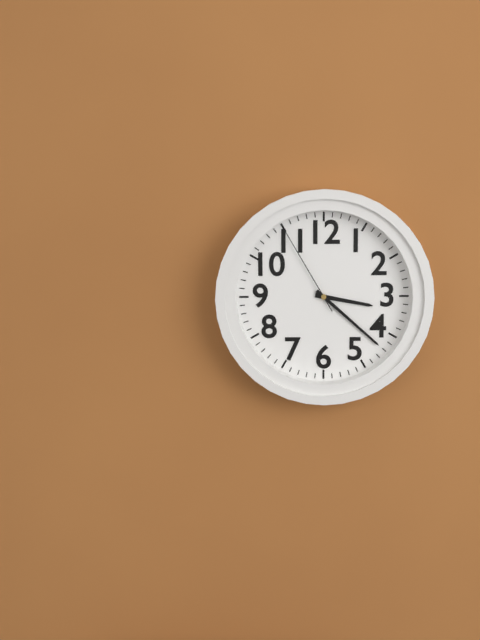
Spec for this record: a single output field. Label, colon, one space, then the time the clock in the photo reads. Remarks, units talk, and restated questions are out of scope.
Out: 3:22:55
